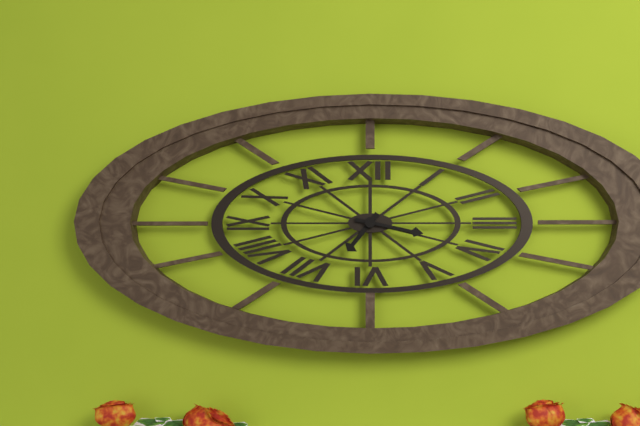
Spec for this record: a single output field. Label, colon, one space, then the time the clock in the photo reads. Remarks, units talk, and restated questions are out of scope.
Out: 7:17
